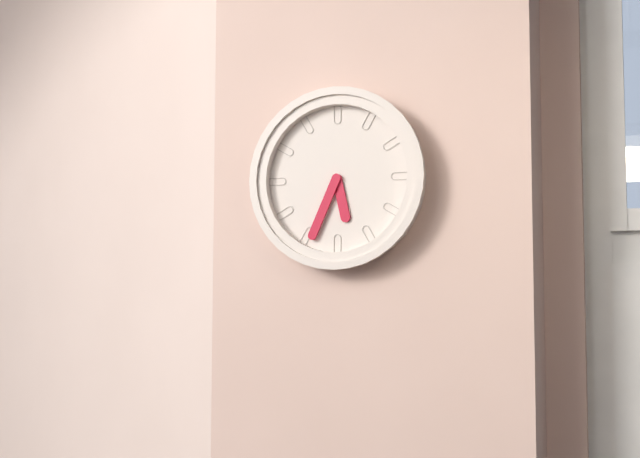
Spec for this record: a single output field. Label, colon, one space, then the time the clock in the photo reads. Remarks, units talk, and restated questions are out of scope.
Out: 5:34
